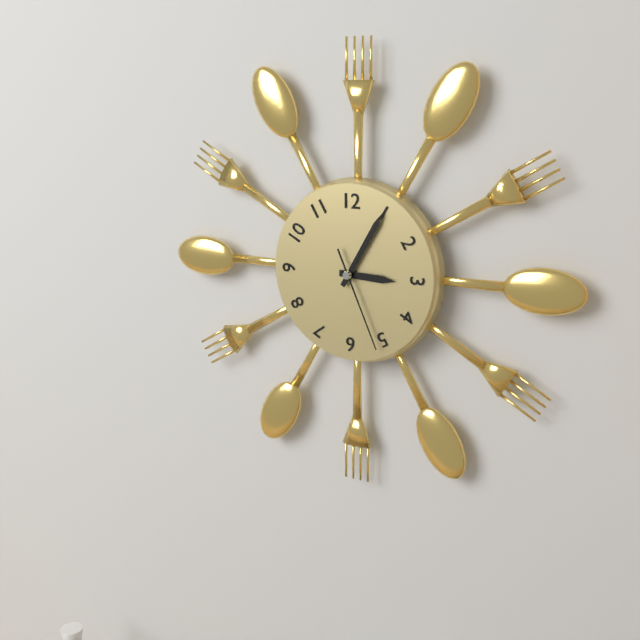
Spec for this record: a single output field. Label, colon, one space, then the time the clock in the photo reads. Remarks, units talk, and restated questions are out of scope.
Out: 3:05:26
